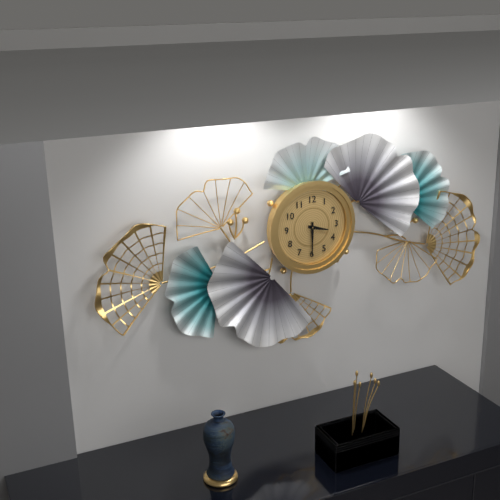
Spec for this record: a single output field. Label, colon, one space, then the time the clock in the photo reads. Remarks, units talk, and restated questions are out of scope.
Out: 3:30
